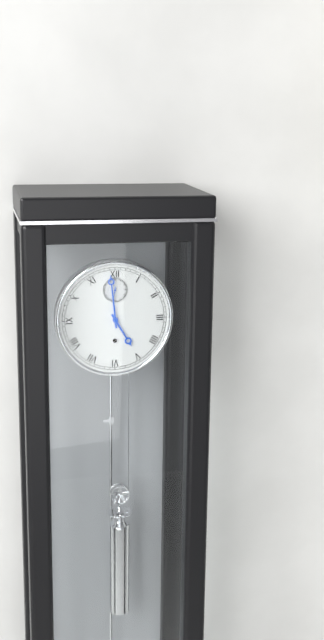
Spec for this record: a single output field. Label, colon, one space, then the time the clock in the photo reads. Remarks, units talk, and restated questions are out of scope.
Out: 4:59
